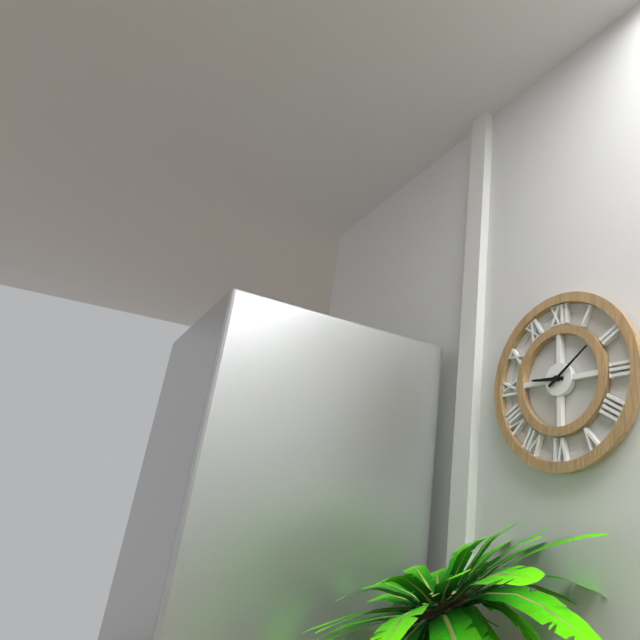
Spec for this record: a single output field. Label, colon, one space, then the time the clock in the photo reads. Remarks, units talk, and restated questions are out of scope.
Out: 9:09
